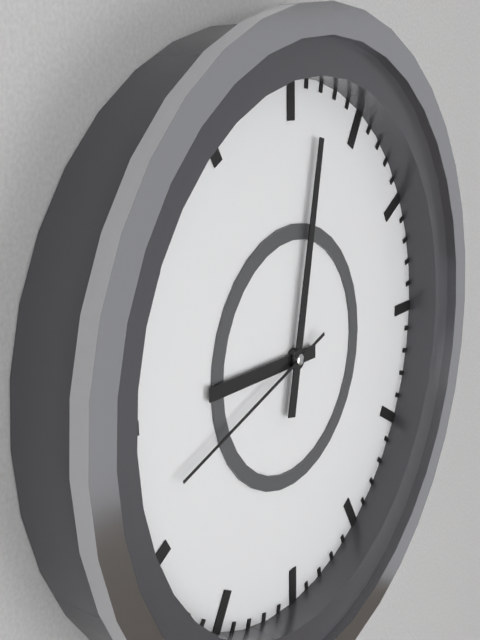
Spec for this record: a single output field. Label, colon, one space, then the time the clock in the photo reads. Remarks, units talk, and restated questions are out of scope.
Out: 9:02:42
